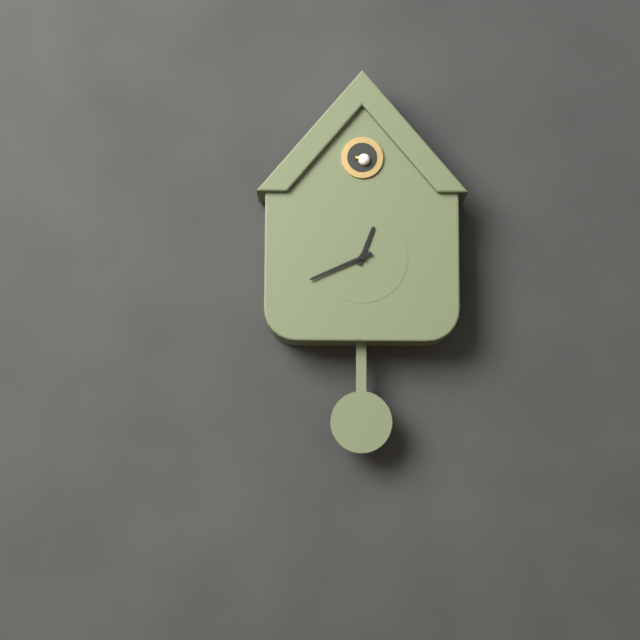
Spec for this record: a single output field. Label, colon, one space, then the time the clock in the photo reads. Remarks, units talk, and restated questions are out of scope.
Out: 12:41
